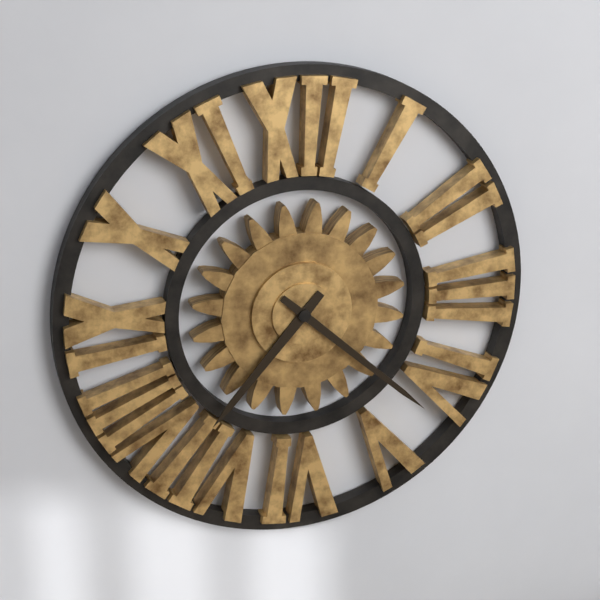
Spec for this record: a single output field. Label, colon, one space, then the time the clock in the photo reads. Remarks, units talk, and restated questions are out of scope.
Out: 7:22
